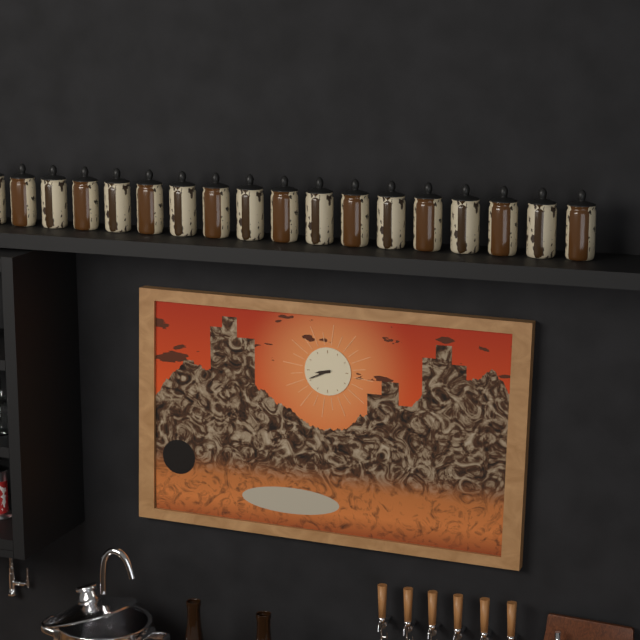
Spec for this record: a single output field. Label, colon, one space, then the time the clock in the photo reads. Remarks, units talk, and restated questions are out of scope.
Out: 8:41
